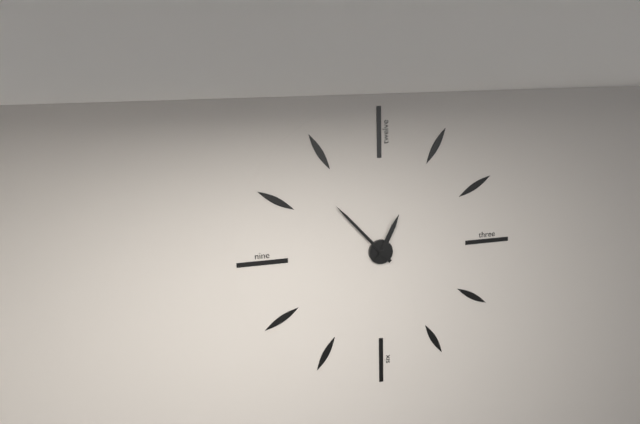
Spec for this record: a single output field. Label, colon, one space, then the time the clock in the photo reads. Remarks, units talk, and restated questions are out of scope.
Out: 12:53
